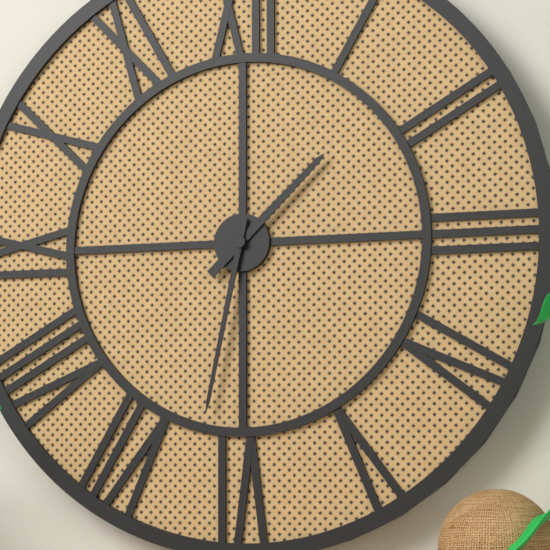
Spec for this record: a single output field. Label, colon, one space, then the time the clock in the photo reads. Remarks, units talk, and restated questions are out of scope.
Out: 1:32
